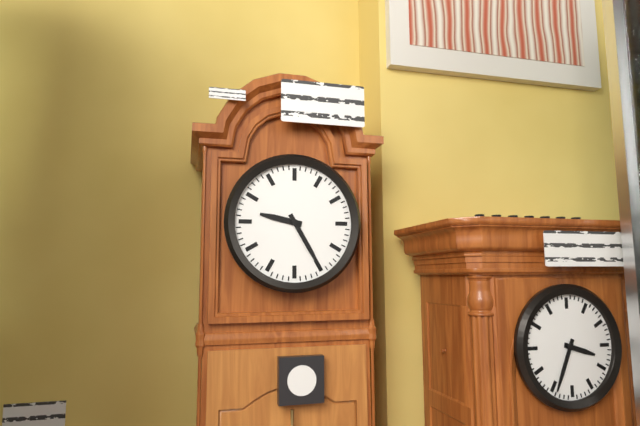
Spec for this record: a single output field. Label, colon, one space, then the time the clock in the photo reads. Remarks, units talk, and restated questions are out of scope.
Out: 9:25
